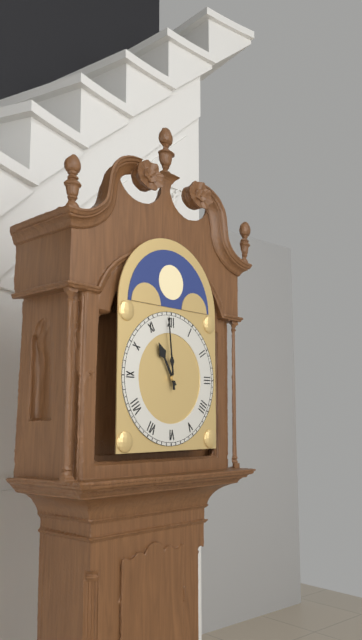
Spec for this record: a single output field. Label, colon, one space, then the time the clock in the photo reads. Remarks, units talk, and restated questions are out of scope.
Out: 10:59
